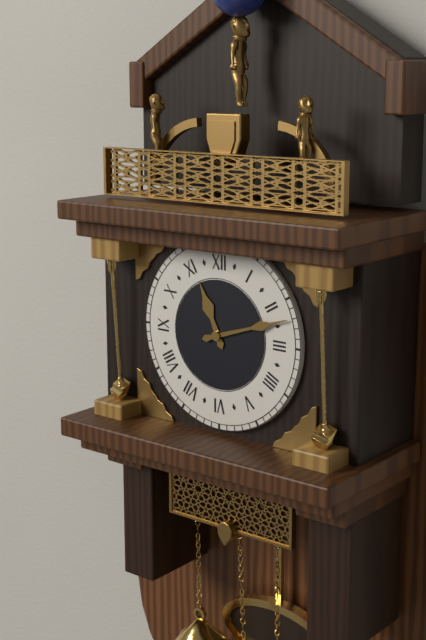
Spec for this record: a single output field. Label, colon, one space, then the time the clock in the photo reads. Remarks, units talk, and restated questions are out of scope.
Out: 11:12
